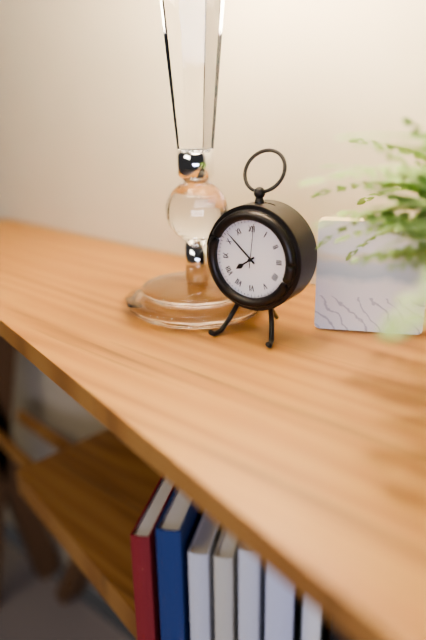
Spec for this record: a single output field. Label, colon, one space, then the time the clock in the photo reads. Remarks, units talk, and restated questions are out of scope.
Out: 7:52
